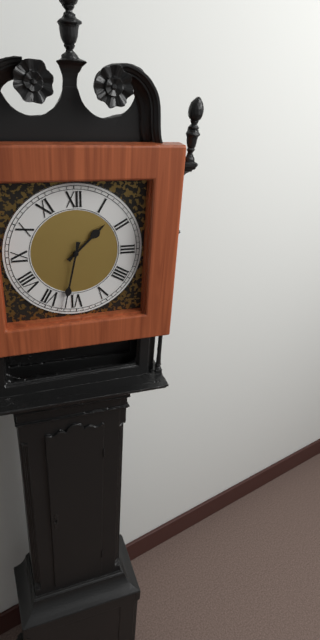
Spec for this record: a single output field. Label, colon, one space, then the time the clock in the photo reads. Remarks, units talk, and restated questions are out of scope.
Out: 1:32
